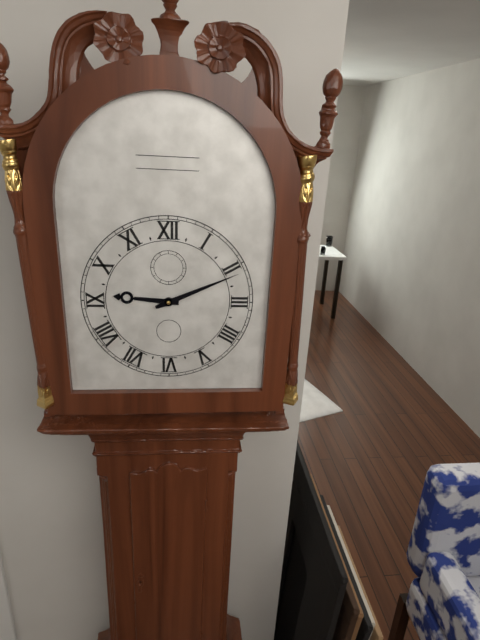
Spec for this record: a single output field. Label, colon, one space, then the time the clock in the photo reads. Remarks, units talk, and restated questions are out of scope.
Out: 9:11
